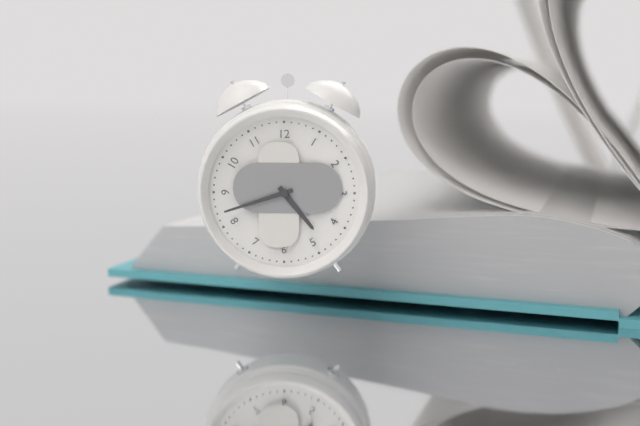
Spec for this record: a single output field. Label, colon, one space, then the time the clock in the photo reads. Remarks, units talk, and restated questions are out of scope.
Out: 4:42
